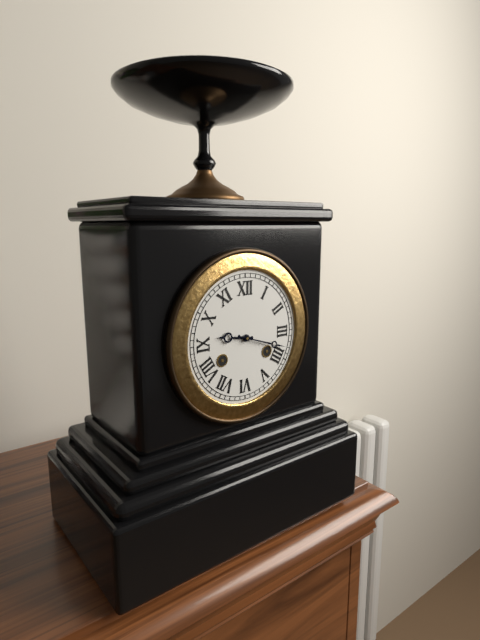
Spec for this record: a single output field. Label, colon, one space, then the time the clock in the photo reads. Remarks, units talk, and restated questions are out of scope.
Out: 9:18
